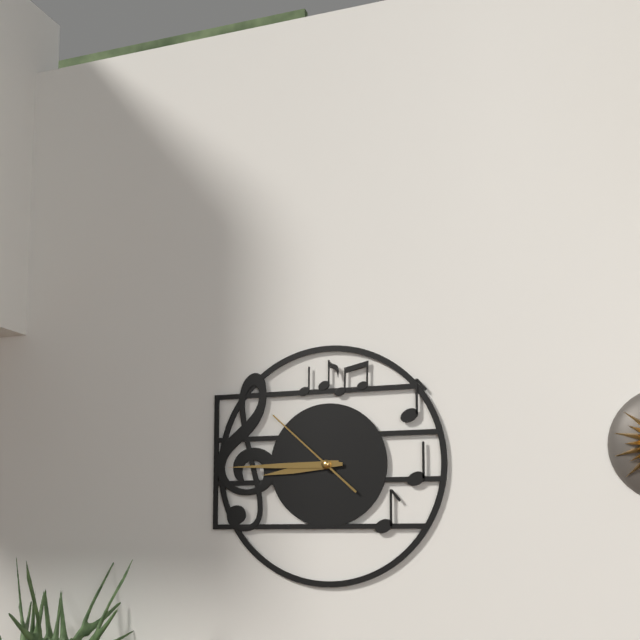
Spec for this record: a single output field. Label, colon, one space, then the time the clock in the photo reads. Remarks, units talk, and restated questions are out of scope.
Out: 8:45:52
